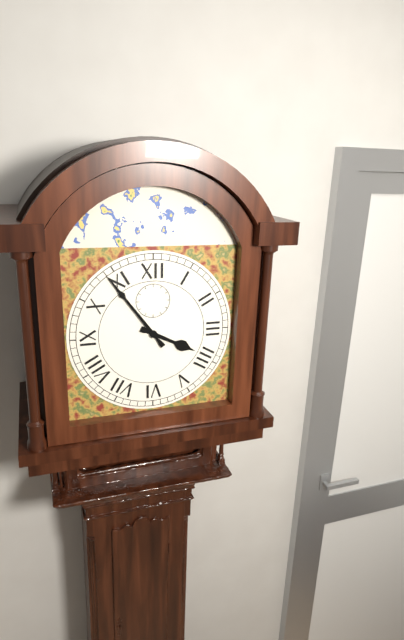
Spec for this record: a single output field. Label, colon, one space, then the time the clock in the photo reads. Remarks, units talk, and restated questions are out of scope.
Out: 3:54
